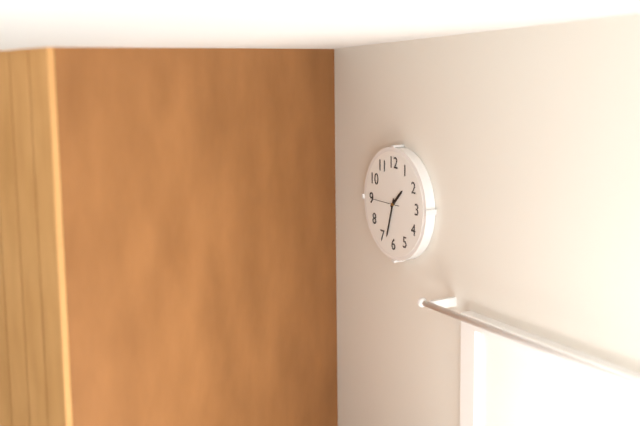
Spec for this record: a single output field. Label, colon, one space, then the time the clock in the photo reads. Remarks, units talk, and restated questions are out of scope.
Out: 1:33
